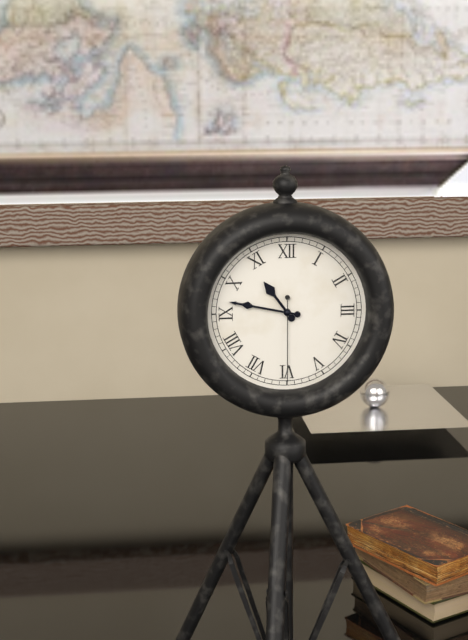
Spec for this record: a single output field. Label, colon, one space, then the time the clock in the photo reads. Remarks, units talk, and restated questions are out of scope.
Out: 10:47:30
